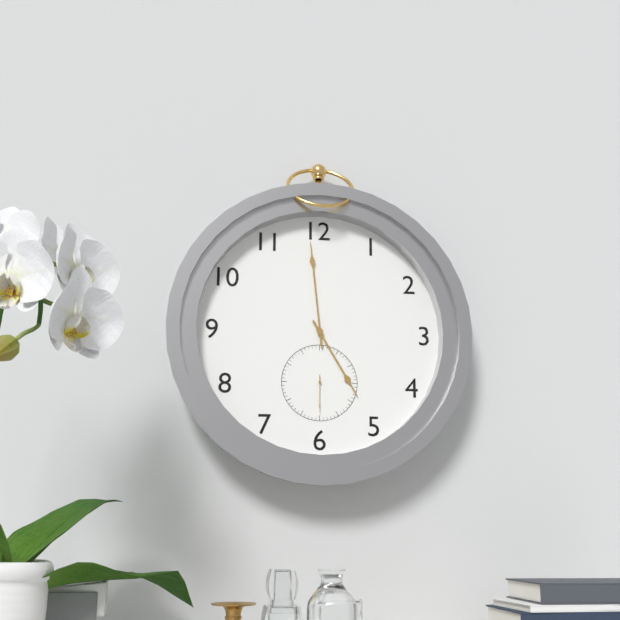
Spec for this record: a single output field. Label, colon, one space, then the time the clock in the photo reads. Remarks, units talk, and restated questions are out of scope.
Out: 4:59
